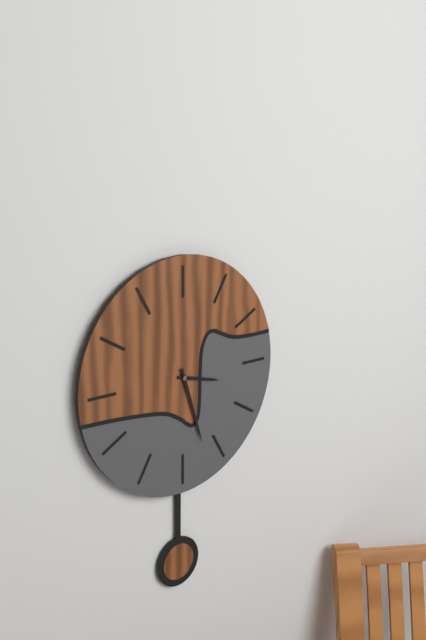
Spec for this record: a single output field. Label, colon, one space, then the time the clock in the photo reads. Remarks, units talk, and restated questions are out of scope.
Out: 3:27
